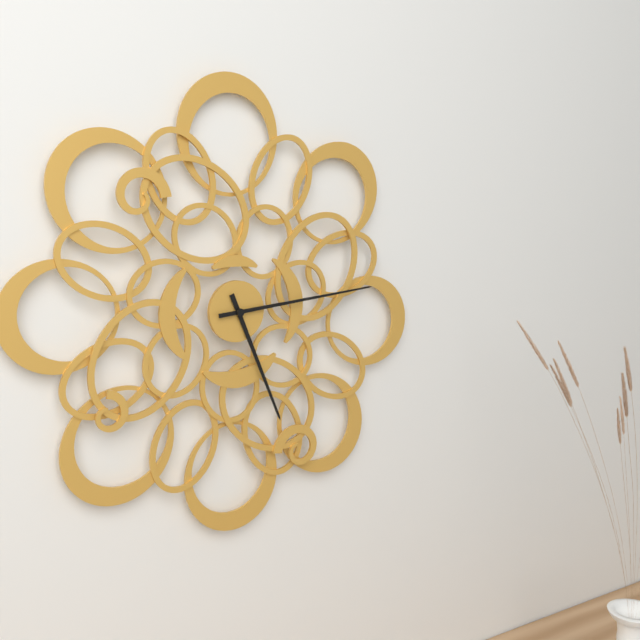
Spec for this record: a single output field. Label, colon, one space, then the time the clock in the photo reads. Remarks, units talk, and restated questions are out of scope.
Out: 5:14
